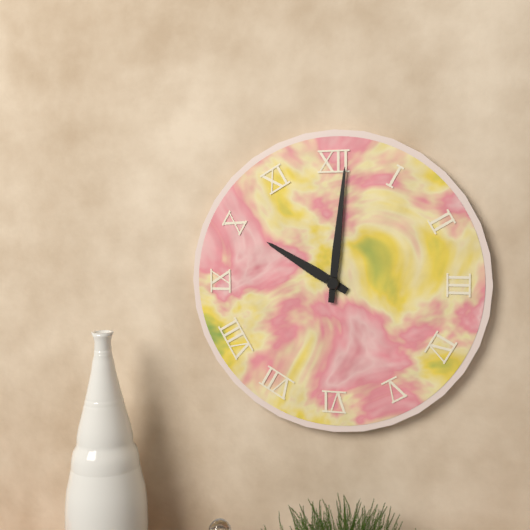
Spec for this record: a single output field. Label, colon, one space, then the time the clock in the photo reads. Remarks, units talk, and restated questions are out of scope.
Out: 10:01
